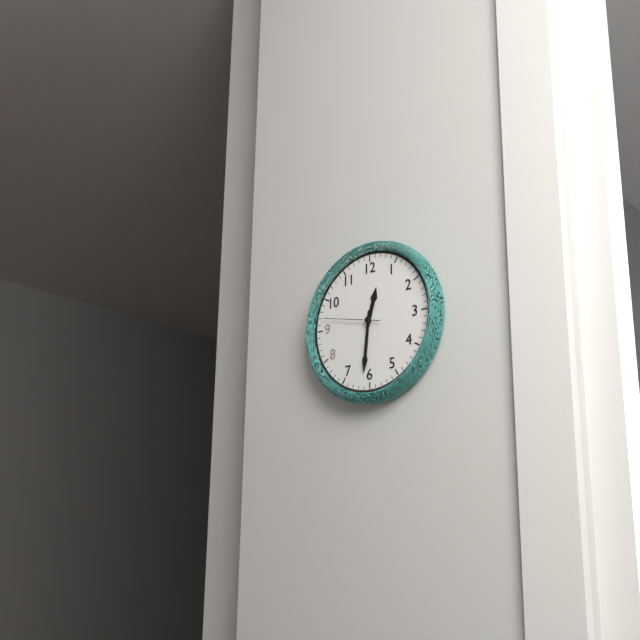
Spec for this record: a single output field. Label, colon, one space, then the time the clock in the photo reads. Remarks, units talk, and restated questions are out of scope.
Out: 12:31:47
